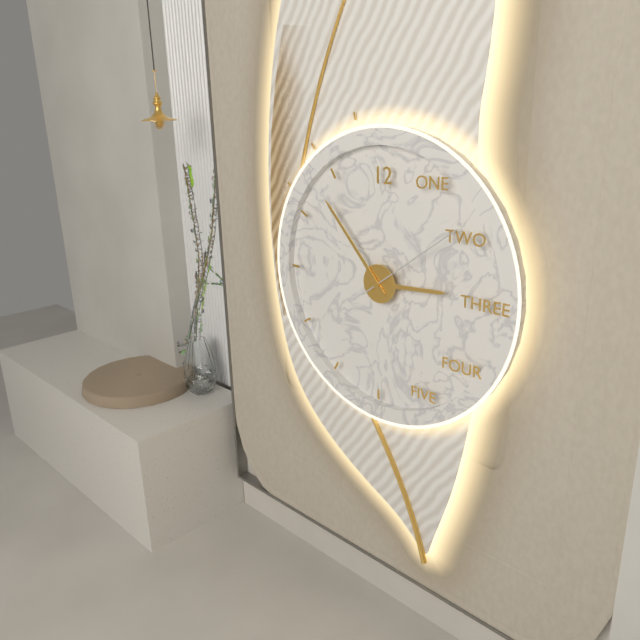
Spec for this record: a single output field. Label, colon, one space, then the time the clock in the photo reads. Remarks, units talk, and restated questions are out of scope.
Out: 2:53:09
